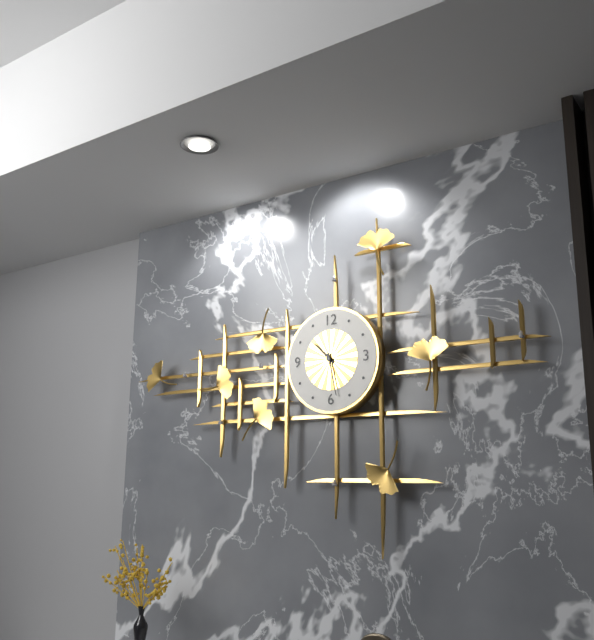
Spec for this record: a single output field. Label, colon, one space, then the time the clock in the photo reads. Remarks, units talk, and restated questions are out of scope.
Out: 10:28
